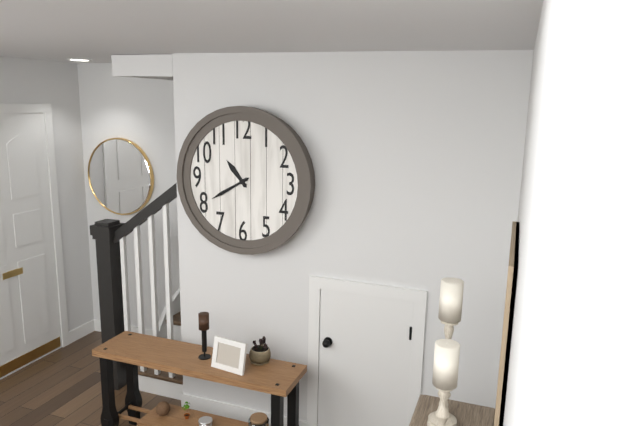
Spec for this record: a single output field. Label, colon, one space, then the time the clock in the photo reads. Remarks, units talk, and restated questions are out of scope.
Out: 10:40
